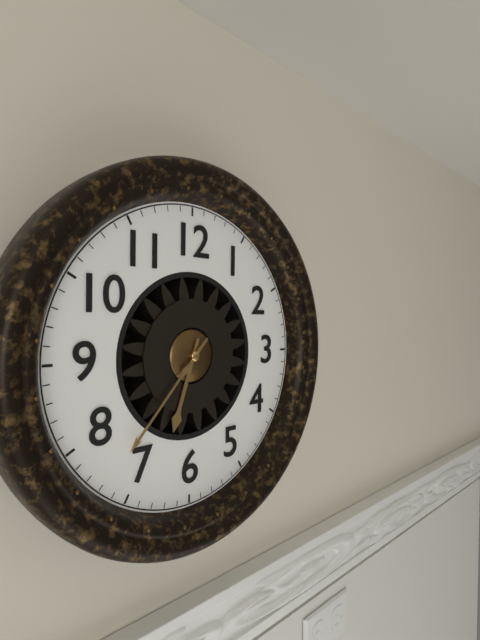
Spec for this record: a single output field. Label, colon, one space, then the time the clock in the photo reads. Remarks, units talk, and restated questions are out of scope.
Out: 6:37
